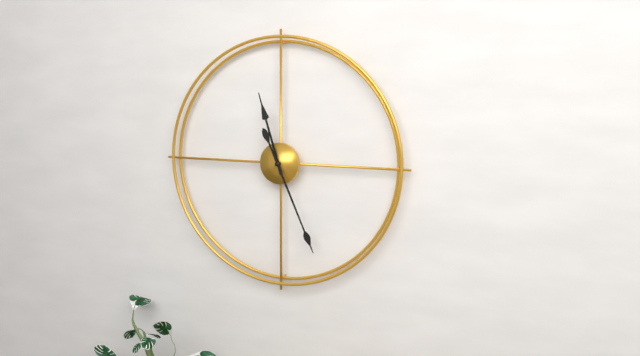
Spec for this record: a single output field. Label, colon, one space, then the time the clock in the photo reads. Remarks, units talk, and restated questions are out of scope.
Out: 11:26
